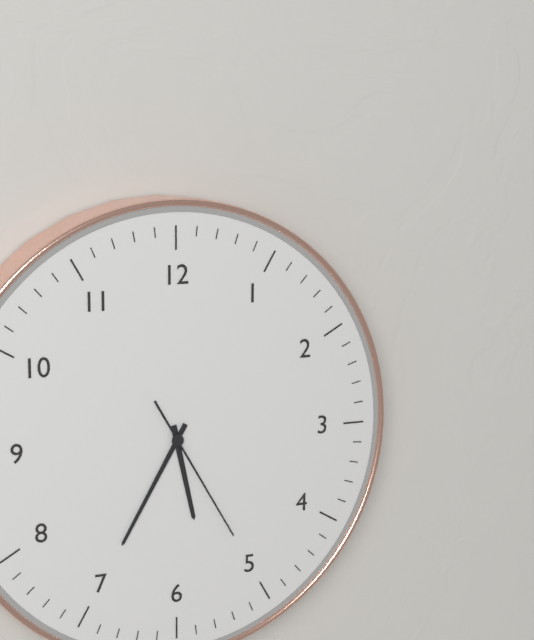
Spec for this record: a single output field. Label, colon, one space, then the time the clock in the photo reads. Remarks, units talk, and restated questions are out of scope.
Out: 5:35:25
